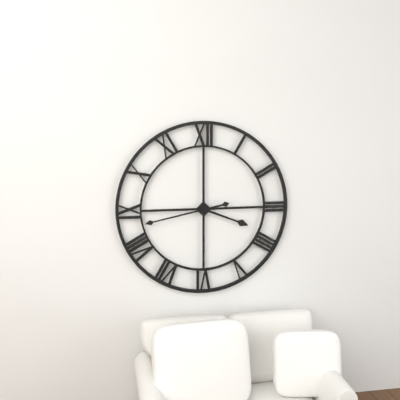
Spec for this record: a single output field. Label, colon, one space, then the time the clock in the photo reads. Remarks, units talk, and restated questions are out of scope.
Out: 3:43
